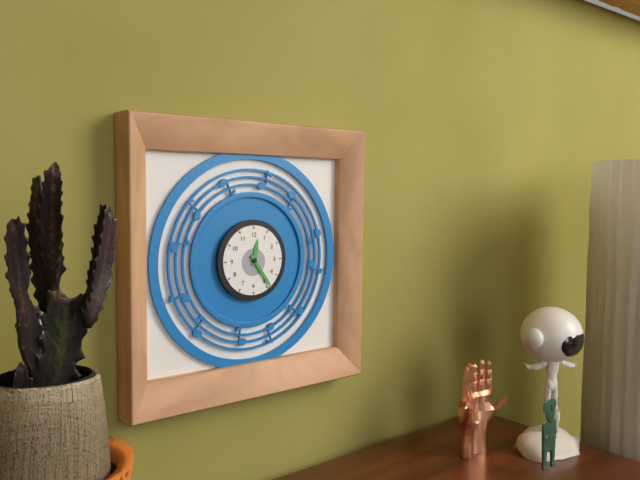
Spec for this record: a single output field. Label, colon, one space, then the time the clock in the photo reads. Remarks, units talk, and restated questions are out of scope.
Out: 12:24
